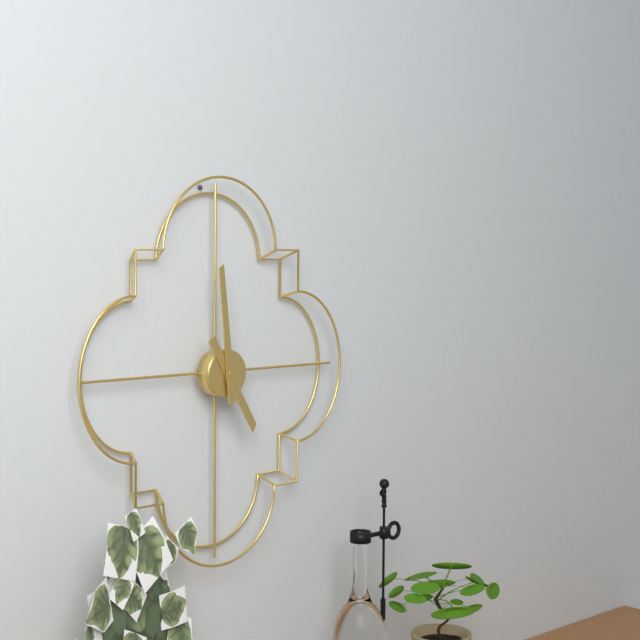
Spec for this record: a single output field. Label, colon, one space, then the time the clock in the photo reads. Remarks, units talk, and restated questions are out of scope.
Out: 4:59
